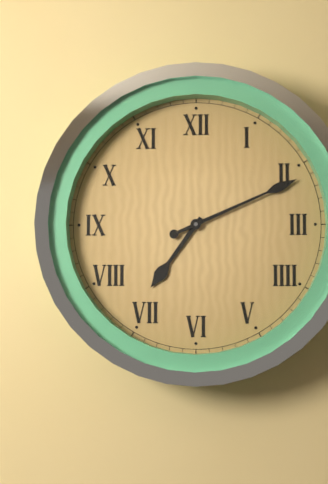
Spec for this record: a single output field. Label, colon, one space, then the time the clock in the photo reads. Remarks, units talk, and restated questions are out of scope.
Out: 7:11
